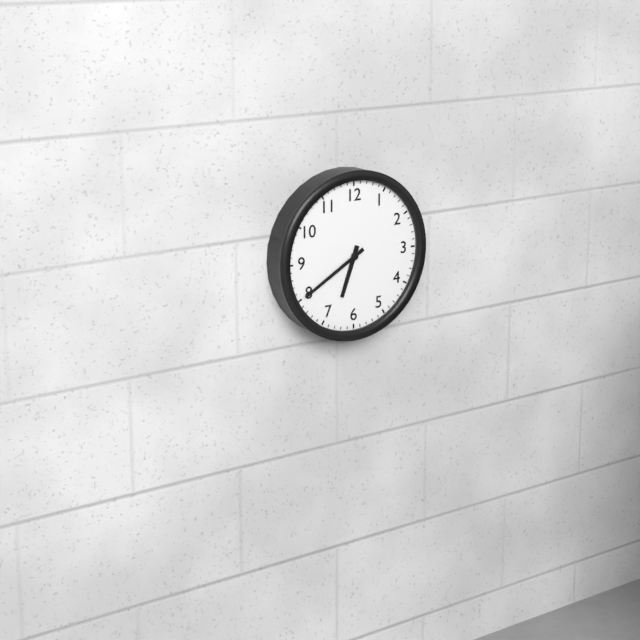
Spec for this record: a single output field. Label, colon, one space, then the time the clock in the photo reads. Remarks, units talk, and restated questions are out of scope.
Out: 6:40
